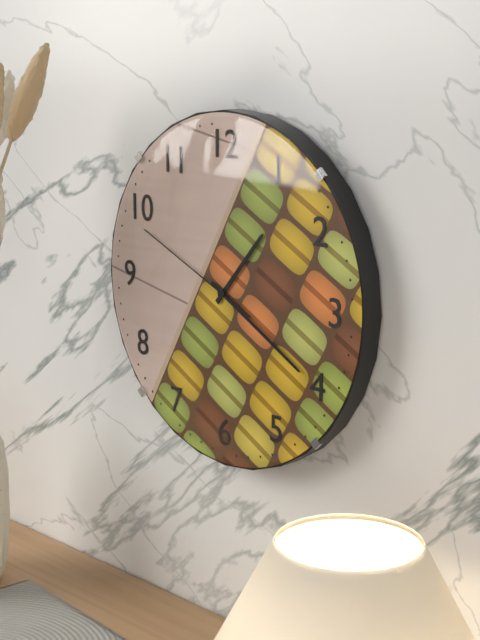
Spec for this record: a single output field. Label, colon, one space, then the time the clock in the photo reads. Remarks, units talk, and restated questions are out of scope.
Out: 1:20:49
